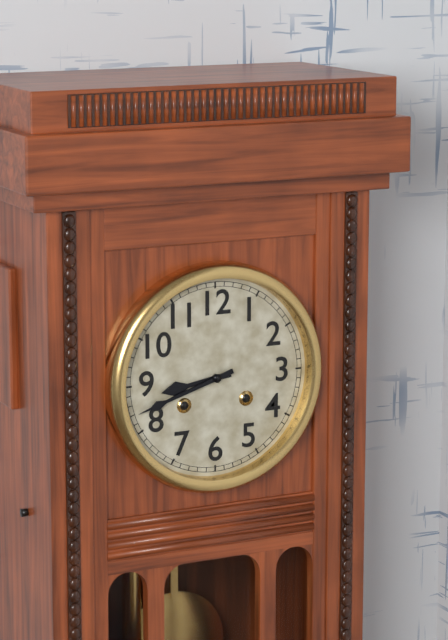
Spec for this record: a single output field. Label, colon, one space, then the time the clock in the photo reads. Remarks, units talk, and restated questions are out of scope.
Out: 8:42
